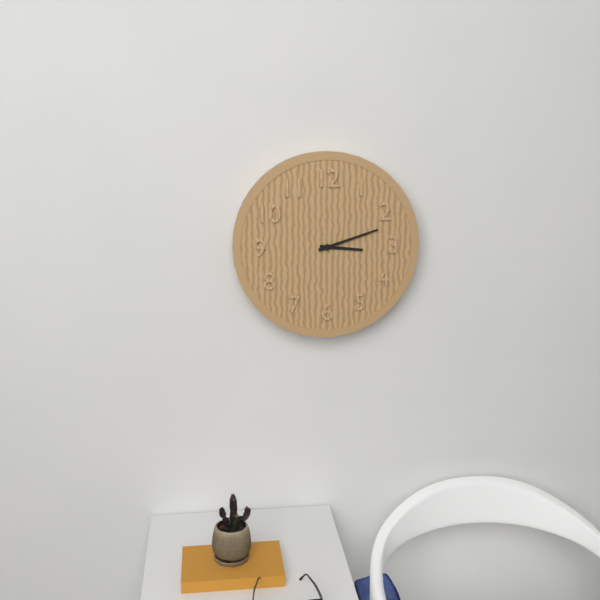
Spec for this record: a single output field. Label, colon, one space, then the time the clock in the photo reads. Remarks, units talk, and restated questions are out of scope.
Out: 3:12
